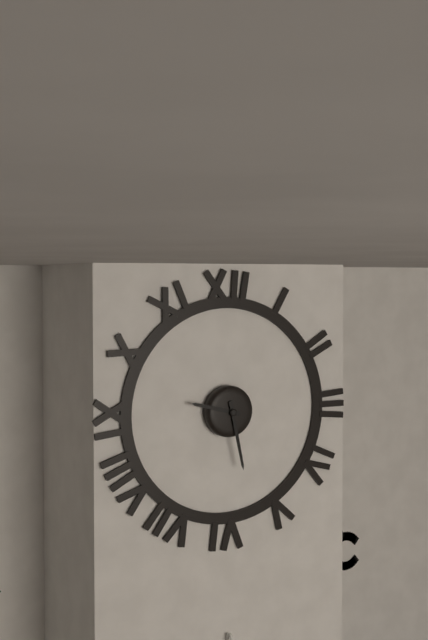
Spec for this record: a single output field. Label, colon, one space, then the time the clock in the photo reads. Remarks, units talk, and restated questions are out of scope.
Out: 9:28
